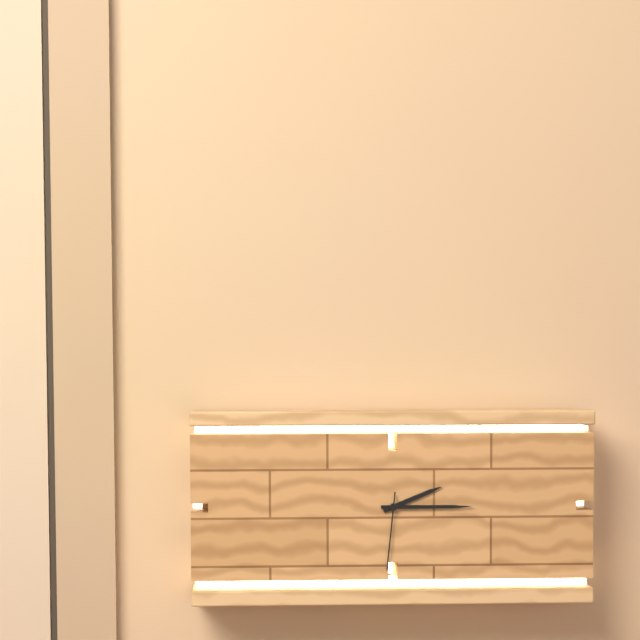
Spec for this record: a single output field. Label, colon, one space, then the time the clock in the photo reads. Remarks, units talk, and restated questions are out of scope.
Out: 2:15:31
